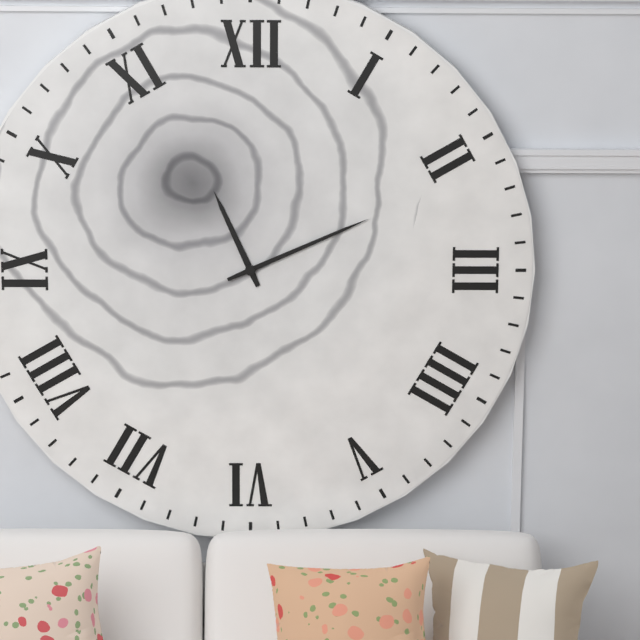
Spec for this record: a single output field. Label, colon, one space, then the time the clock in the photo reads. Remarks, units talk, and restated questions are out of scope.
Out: 11:11
